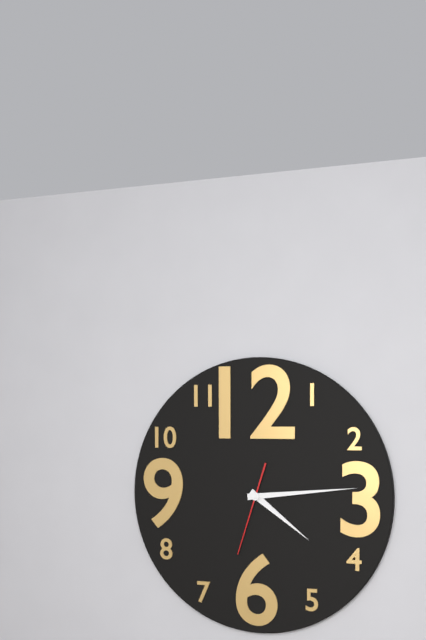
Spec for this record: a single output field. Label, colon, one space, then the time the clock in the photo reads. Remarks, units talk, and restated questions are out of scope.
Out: 4:14:33
